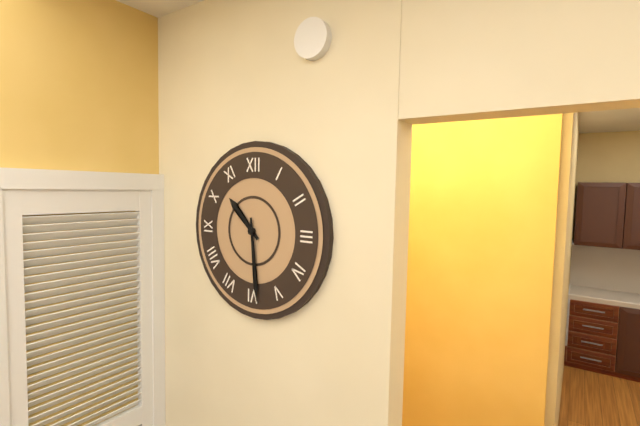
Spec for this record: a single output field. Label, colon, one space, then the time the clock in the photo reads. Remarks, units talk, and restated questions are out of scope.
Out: 10:29
